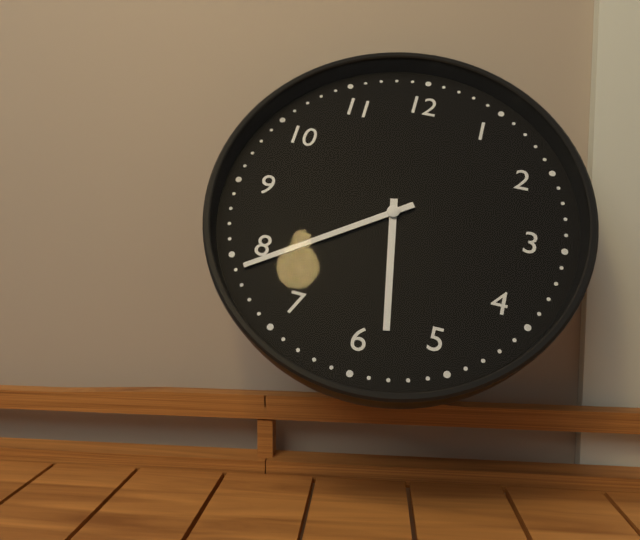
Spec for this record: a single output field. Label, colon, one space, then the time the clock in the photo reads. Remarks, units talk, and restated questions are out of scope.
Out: 5:39
